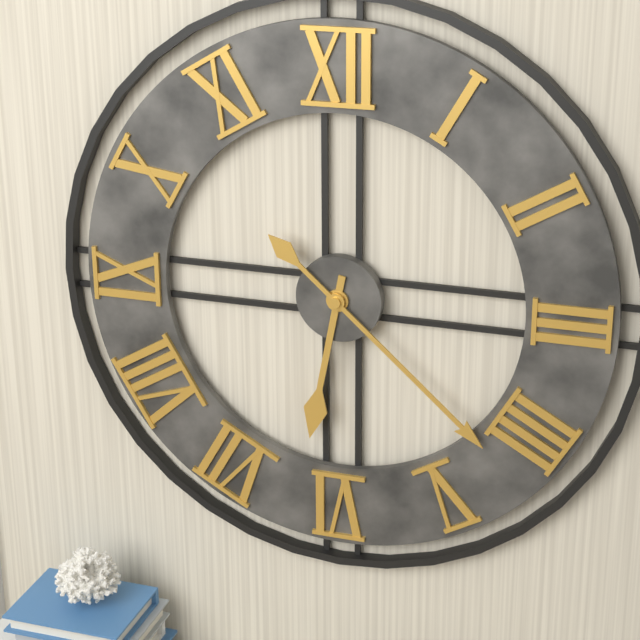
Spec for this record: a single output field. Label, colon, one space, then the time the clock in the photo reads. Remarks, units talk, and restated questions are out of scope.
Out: 6:22
